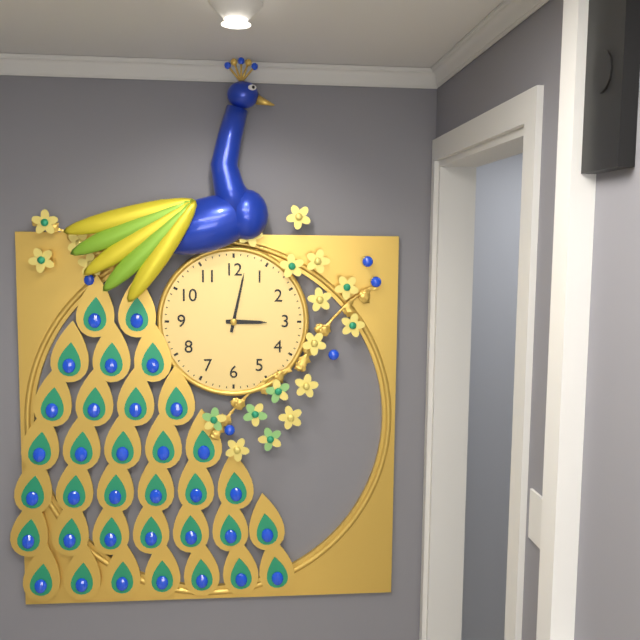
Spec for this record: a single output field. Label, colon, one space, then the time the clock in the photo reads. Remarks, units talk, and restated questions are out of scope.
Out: 3:02
